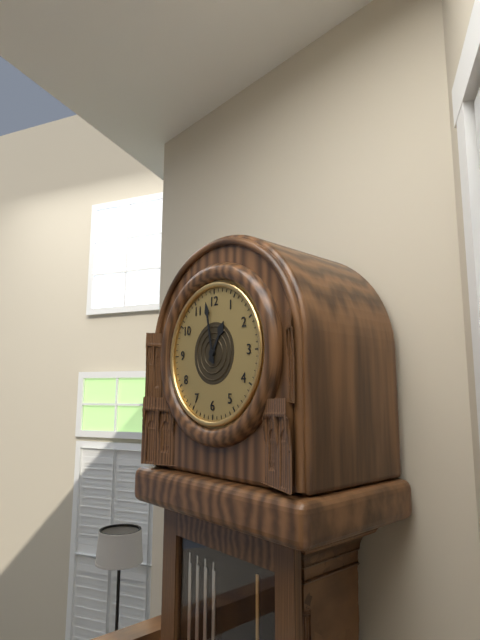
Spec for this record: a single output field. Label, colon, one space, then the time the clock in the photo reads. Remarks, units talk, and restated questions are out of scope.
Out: 12:58
